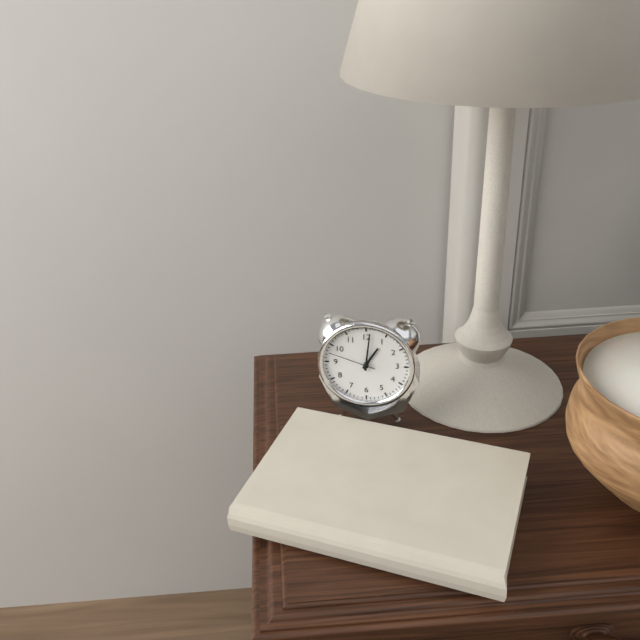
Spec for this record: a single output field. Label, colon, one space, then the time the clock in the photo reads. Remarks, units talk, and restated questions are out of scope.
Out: 1:01
